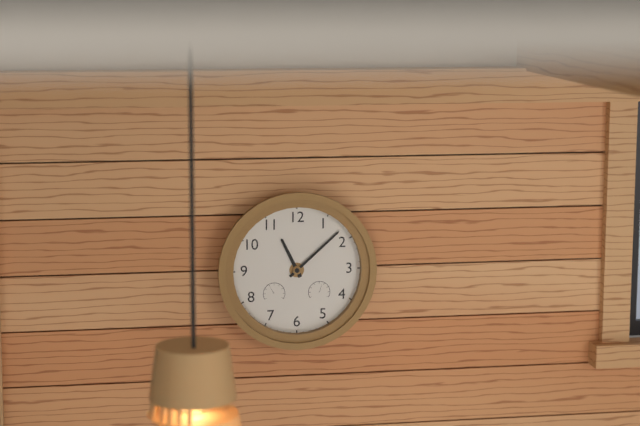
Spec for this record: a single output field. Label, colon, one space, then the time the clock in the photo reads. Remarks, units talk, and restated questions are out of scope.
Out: 11:08
